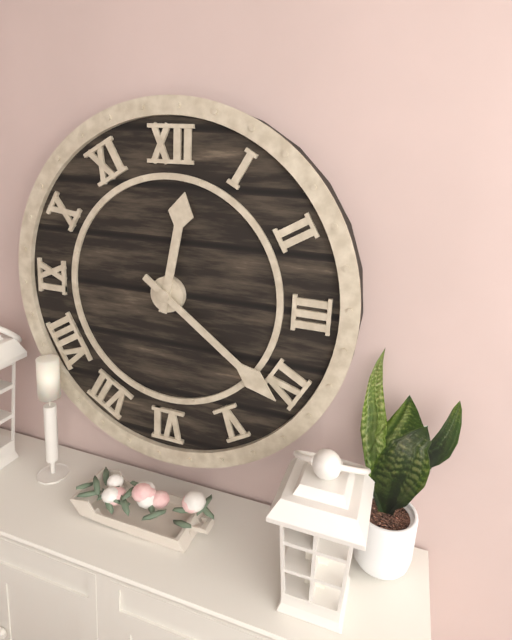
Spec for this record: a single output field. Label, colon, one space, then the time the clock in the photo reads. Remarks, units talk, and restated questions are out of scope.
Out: 12:21
